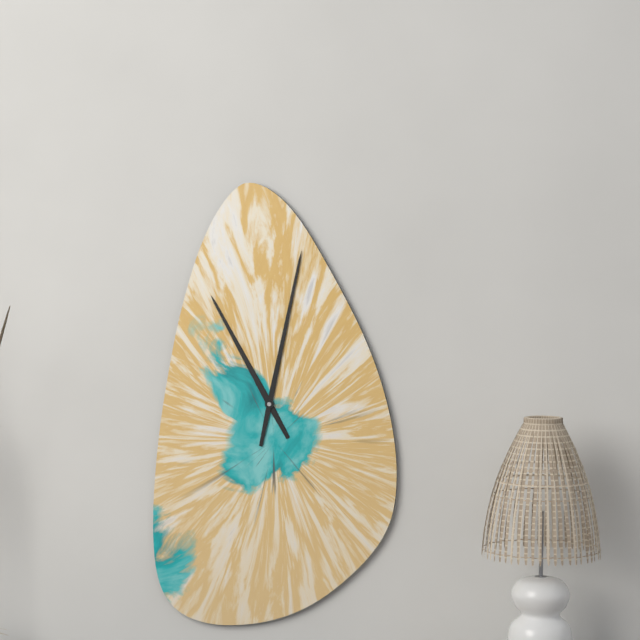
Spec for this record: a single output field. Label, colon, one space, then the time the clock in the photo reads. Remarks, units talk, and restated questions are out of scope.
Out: 11:02
